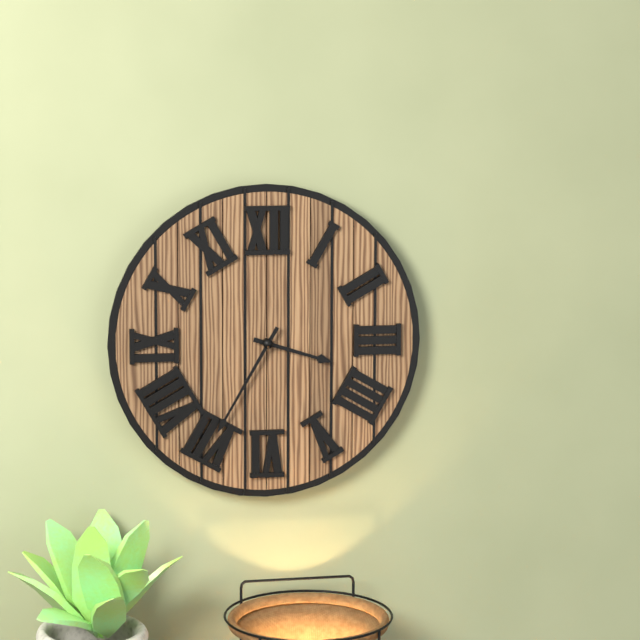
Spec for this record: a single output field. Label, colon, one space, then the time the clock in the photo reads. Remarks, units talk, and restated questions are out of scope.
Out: 3:35
